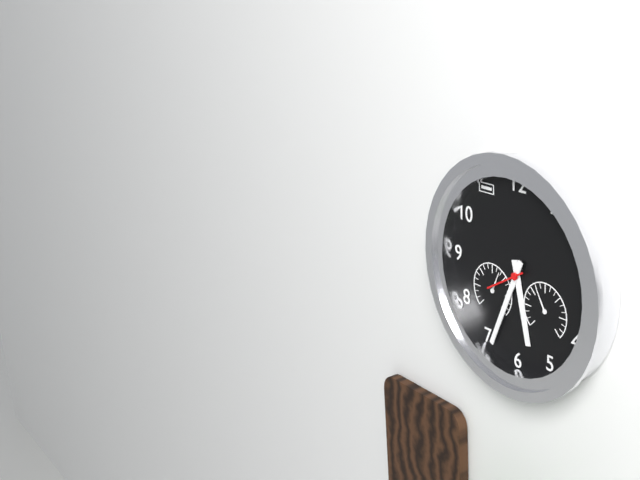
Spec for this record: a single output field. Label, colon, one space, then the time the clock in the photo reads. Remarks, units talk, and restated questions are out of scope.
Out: 5:34
